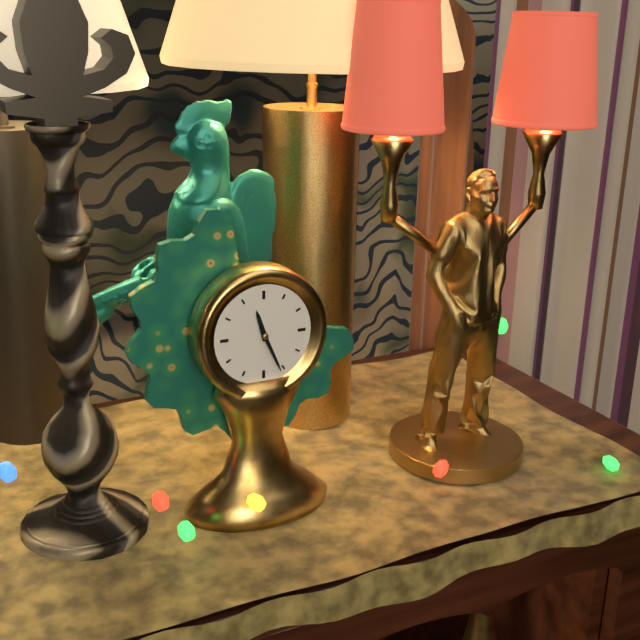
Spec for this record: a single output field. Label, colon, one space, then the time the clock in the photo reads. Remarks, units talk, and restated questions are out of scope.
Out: 11:26
